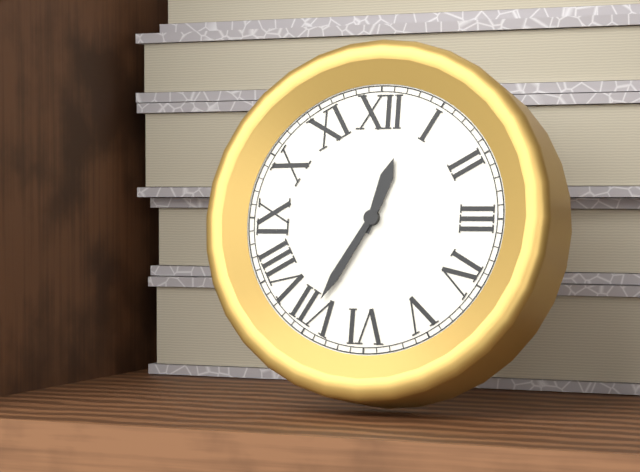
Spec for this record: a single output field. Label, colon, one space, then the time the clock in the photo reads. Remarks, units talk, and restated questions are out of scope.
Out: 12:35
